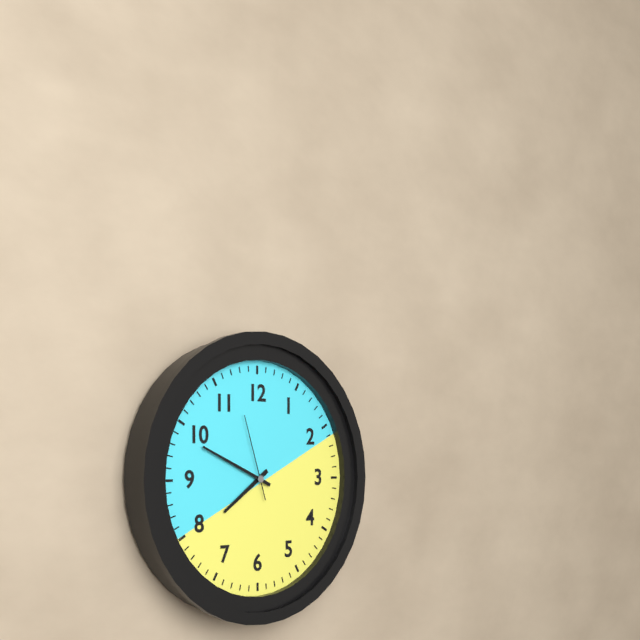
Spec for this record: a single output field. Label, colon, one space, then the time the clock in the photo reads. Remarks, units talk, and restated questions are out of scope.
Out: 7:49:57
